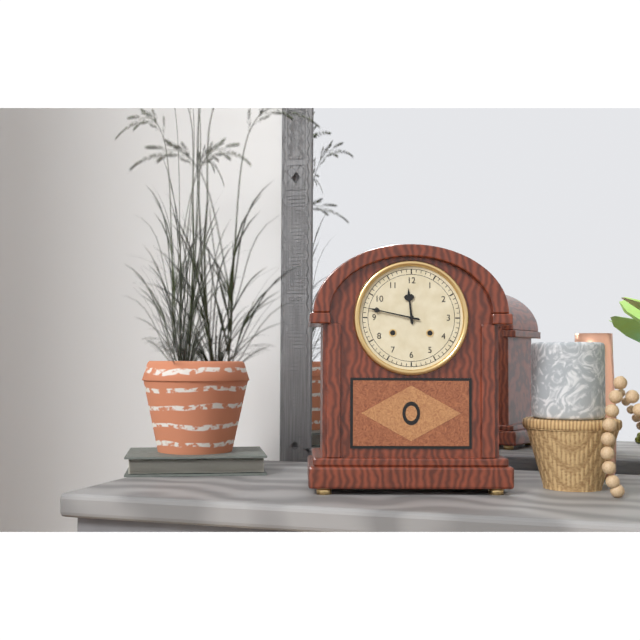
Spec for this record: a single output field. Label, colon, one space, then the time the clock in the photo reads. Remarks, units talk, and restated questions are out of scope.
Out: 11:47
